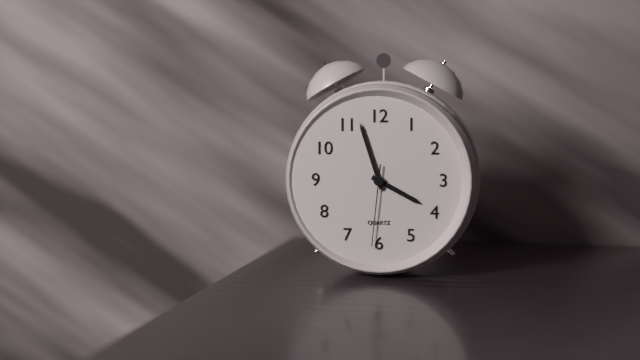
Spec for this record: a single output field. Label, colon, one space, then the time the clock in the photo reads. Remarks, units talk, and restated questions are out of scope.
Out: 3:57:31
